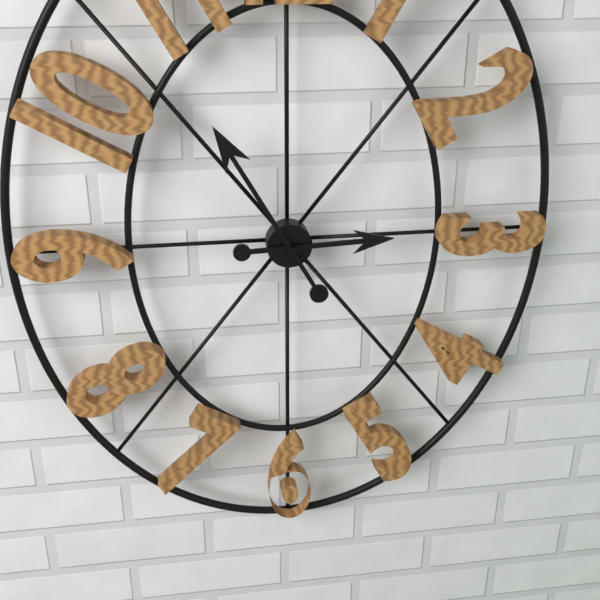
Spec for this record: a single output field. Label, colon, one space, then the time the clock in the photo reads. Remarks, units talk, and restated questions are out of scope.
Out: 2:55
